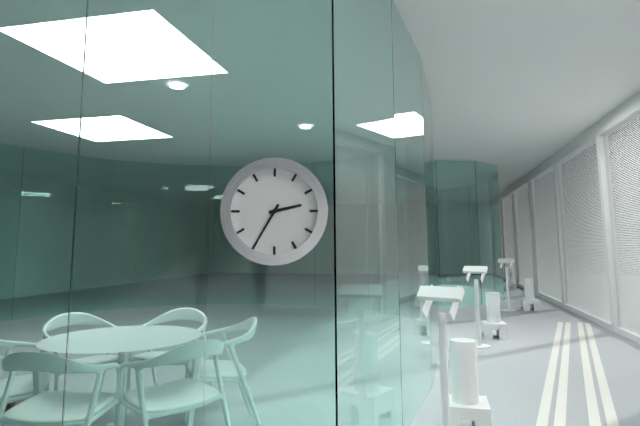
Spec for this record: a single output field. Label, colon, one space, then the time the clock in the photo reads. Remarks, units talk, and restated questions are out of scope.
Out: 2:35
